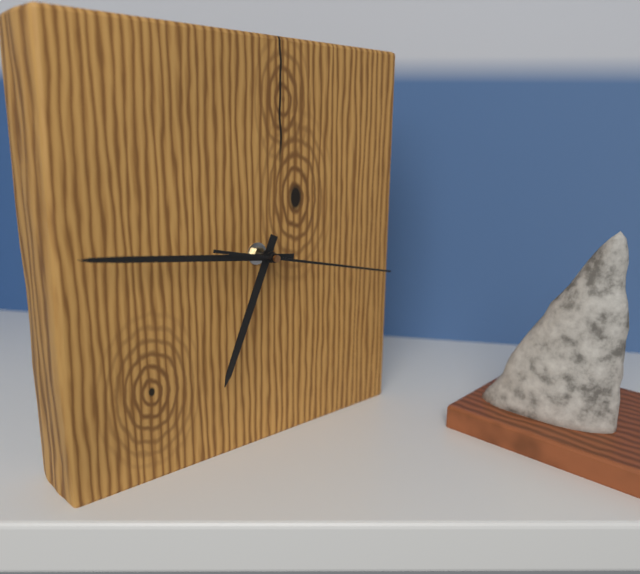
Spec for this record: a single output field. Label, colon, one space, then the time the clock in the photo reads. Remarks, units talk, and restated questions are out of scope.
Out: 6:46:17
